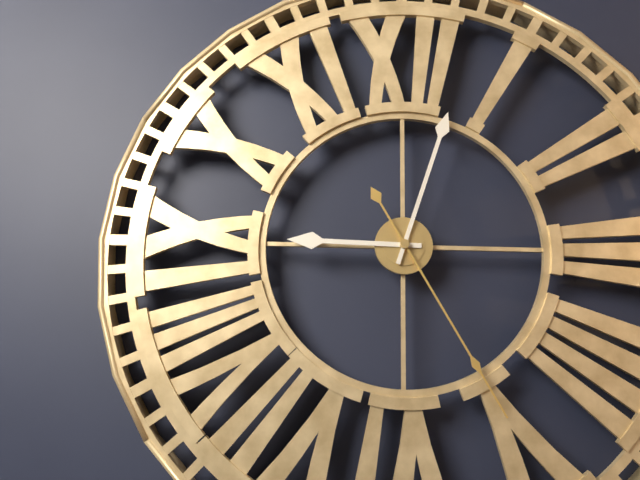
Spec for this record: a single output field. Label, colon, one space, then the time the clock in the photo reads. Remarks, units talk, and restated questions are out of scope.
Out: 9:03:25
